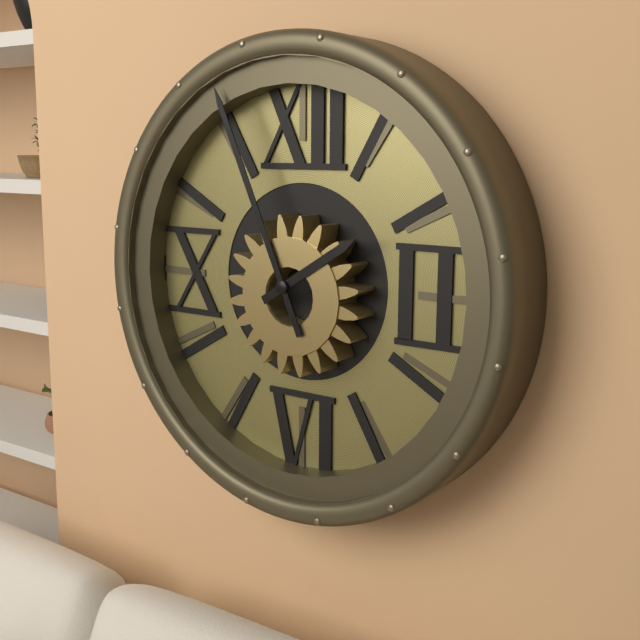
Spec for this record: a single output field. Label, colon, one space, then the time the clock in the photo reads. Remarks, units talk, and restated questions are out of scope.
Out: 1:56
